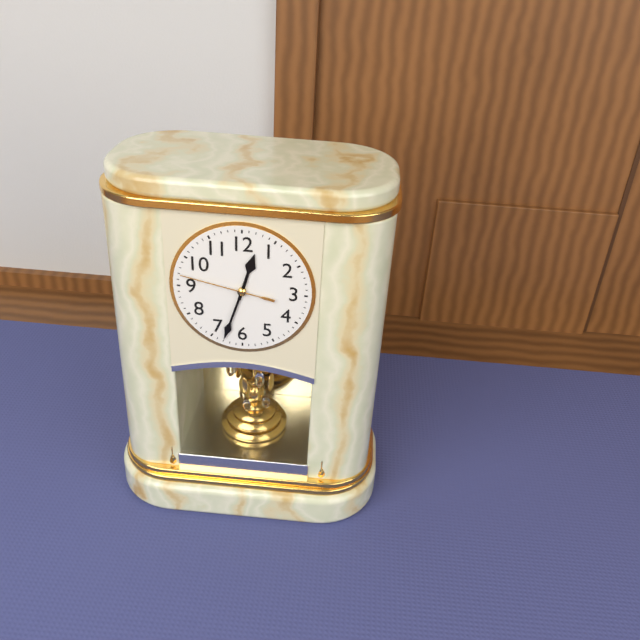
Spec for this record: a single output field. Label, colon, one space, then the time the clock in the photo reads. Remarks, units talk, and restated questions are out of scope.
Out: 12:33:47
